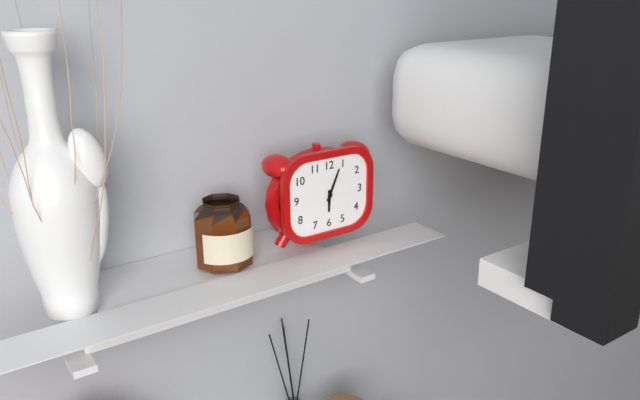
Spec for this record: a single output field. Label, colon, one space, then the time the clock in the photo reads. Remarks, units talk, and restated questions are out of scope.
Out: 6:04
